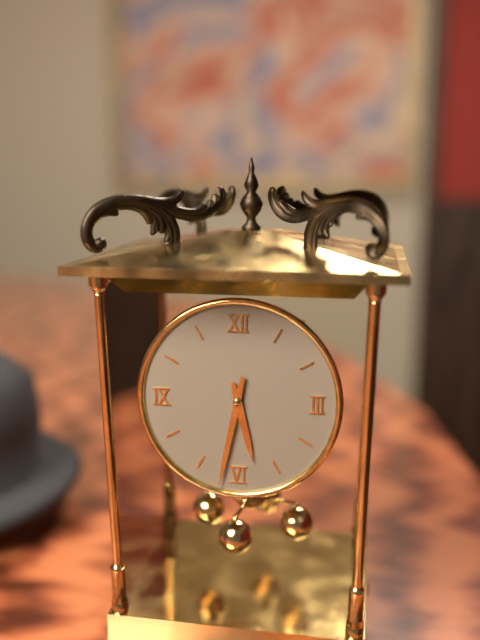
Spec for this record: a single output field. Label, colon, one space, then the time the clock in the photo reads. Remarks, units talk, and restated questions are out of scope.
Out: 5:32
